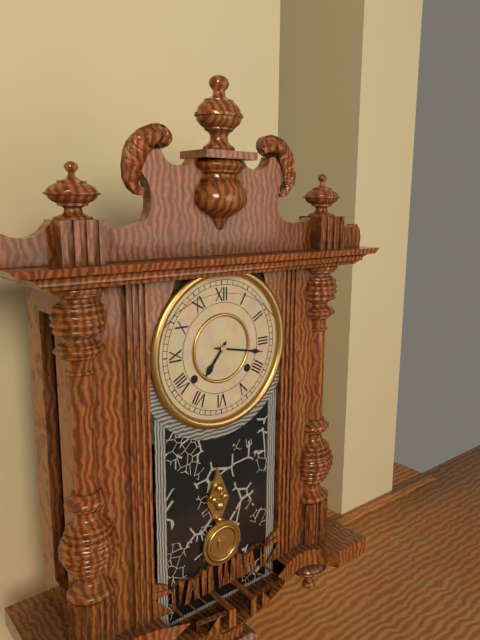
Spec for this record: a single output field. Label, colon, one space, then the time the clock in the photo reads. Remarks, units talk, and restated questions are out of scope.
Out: 7:17
